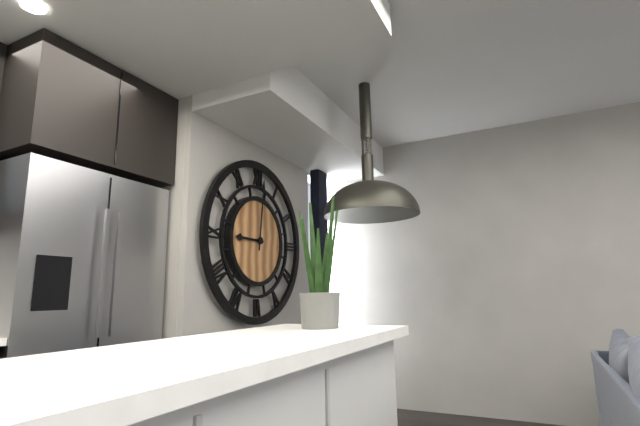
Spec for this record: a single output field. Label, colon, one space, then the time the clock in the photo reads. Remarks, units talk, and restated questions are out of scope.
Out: 9:01
